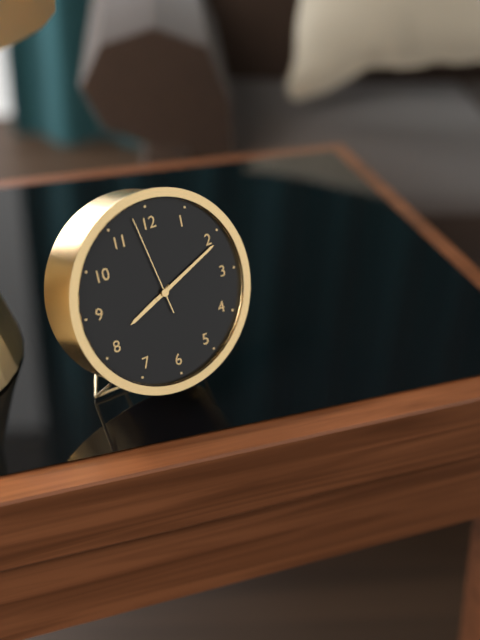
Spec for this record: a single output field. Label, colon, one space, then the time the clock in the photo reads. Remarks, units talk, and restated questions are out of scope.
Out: 8:11:58
